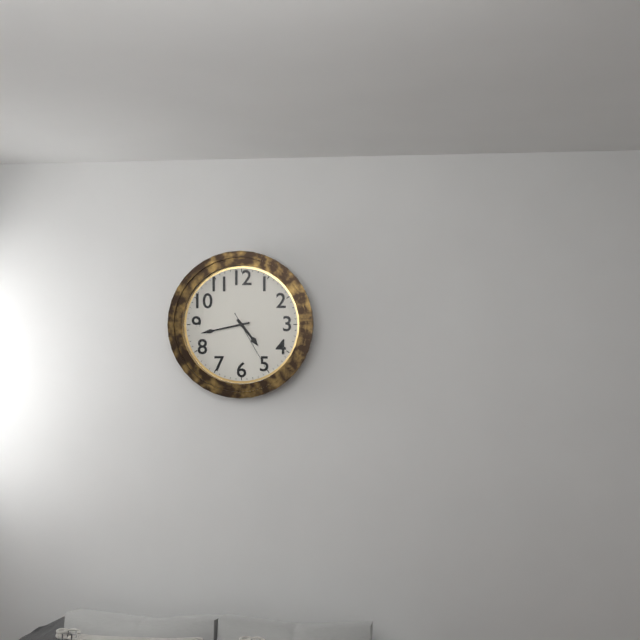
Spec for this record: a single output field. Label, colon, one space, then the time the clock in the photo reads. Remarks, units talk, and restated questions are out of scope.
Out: 4:43:25
